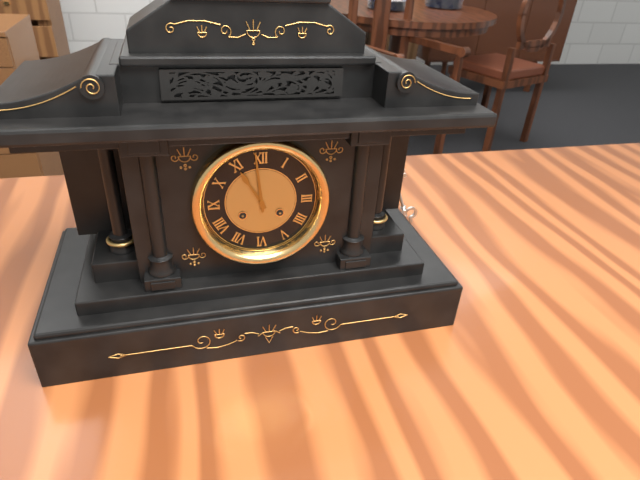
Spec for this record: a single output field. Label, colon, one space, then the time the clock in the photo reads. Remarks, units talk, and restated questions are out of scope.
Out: 10:59
